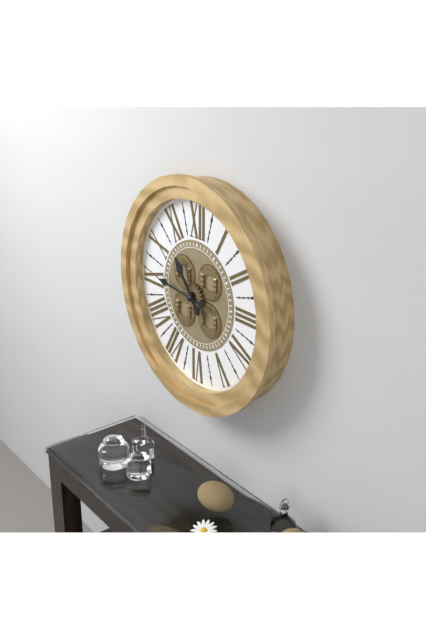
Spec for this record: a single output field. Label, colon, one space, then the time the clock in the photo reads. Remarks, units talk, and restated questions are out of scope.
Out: 10:46
